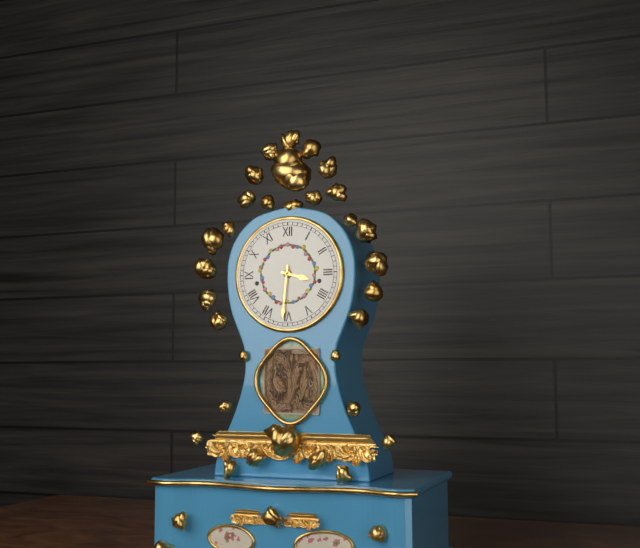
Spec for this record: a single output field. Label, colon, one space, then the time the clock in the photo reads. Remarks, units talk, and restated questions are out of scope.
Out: 3:31
